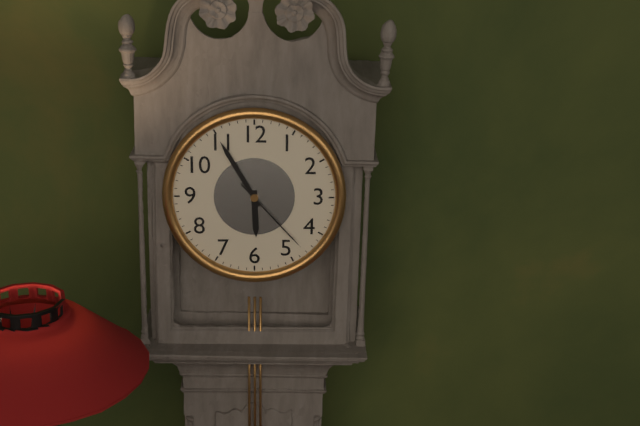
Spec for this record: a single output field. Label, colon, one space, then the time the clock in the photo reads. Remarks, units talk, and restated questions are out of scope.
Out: 5:55:23
